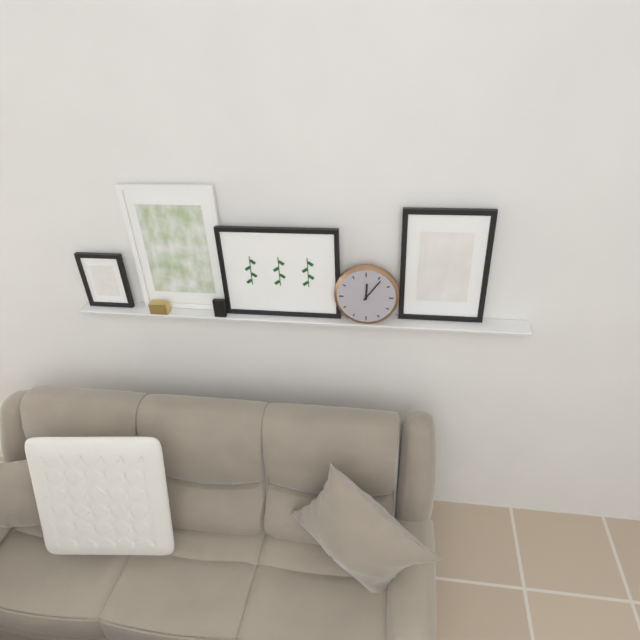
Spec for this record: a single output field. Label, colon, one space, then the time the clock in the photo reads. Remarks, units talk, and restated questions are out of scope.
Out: 12:06
